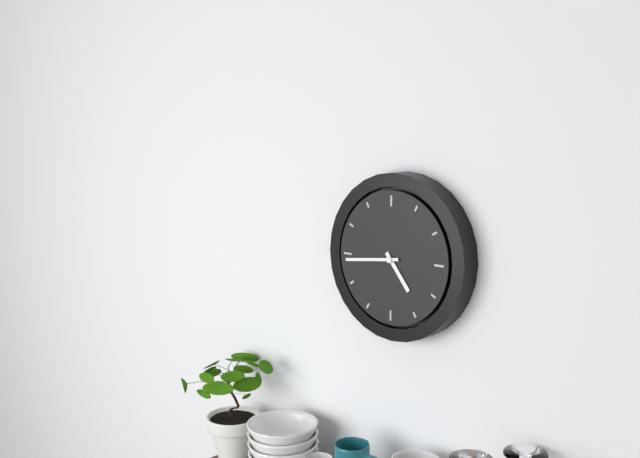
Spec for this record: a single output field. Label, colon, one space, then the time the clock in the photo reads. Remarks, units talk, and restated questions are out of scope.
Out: 4:44
